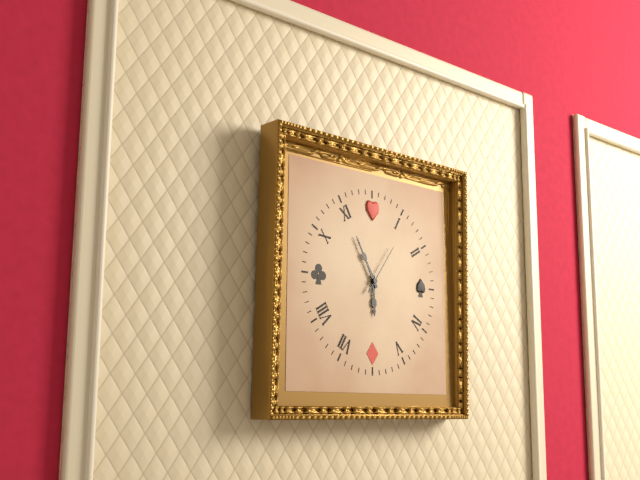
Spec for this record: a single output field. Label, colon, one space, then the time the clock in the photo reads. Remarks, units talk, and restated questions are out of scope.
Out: 5:55
